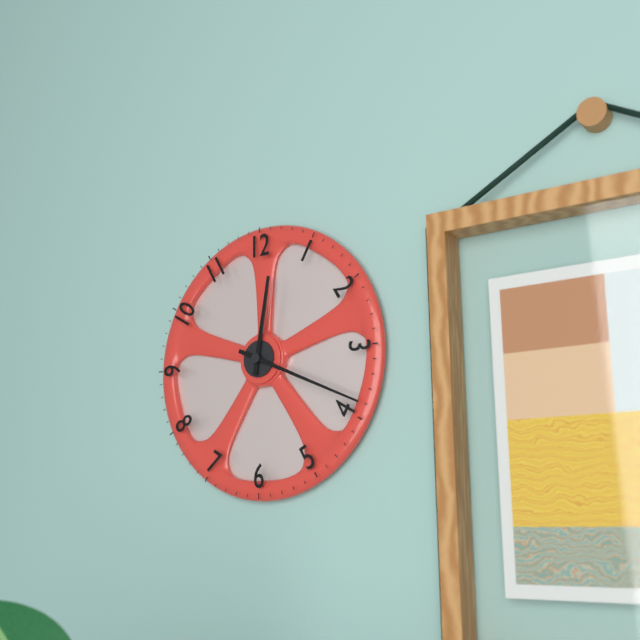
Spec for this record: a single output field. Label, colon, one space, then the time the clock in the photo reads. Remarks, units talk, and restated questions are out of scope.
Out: 12:19
